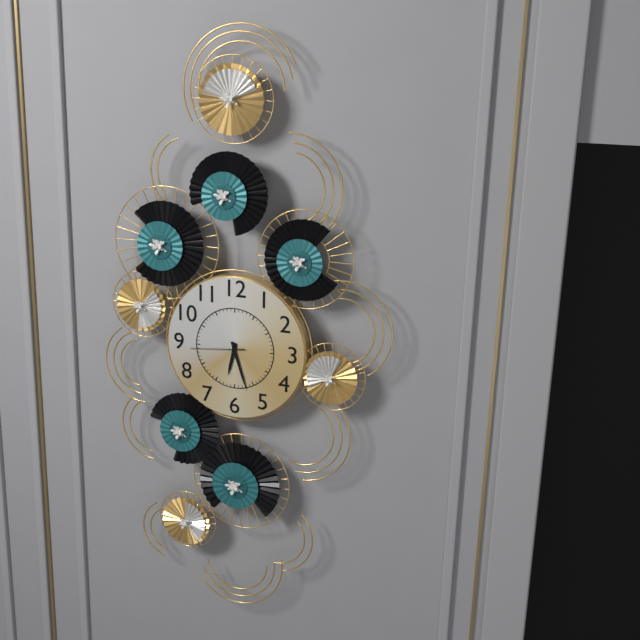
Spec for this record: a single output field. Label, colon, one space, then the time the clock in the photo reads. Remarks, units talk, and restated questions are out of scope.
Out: 6:27:44
